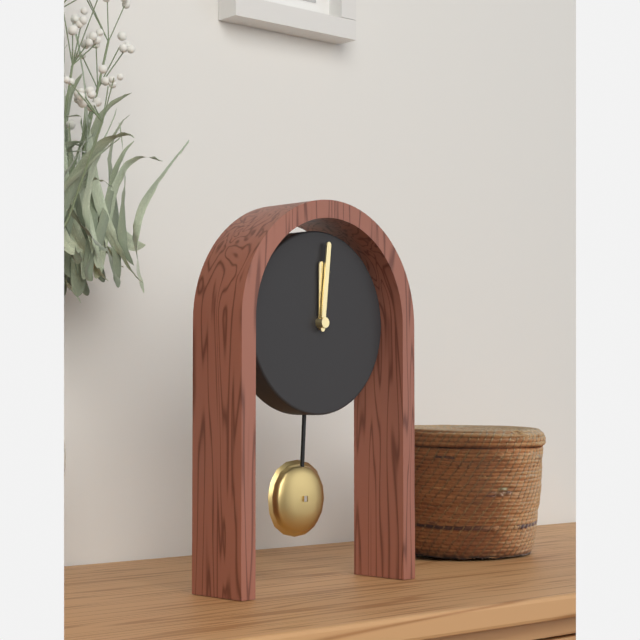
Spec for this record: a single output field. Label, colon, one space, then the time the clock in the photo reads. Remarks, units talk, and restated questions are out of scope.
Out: 12:01
